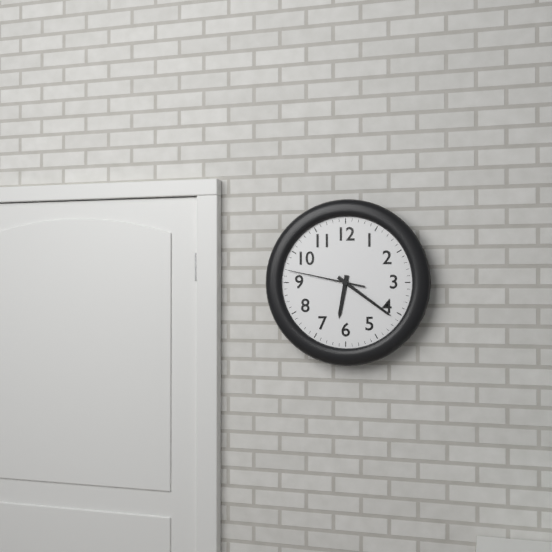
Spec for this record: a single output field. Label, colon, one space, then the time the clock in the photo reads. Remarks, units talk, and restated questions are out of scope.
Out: 6:21:47
